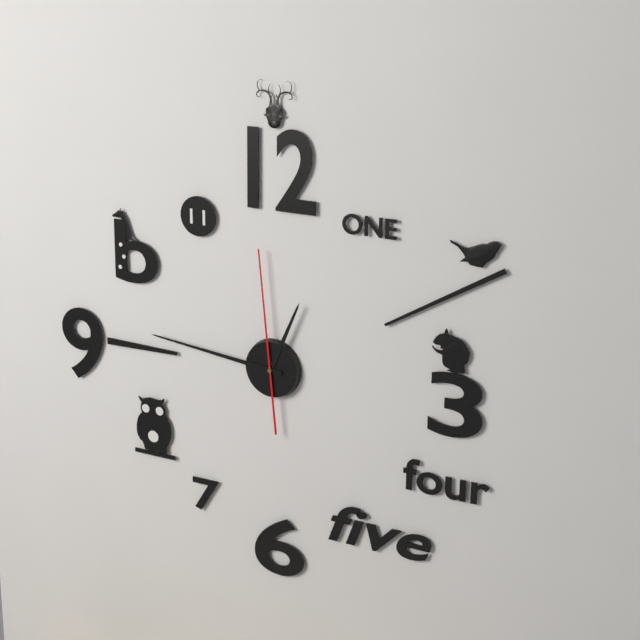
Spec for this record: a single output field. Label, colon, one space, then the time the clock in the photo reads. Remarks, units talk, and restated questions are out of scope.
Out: 12:46:59
